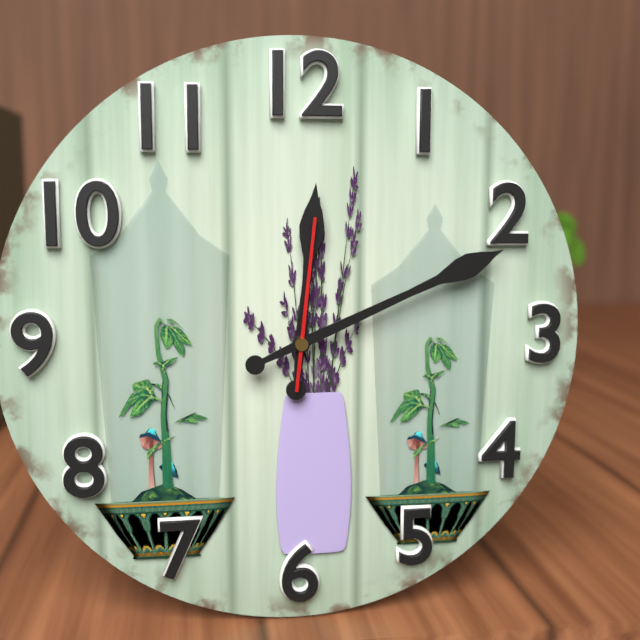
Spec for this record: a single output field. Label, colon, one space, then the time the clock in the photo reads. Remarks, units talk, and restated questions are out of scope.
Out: 12:11:01
